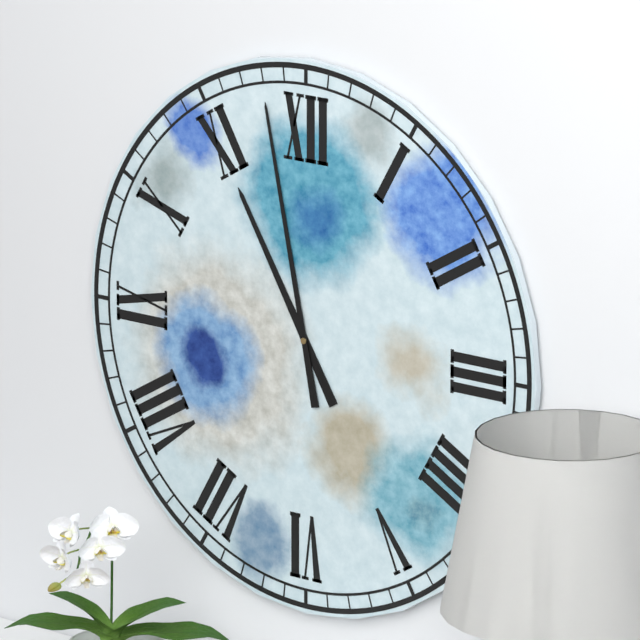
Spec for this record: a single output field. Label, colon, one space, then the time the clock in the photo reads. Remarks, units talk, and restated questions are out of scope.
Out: 10:58
